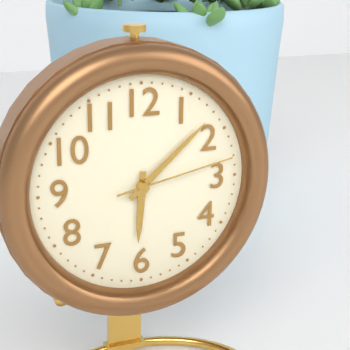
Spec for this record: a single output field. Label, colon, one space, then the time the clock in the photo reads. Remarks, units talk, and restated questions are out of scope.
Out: 6:08:13
